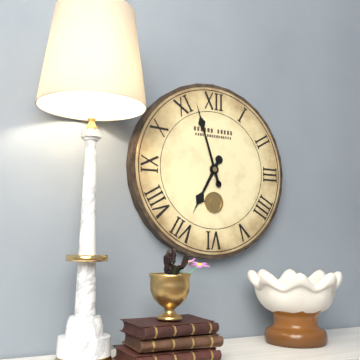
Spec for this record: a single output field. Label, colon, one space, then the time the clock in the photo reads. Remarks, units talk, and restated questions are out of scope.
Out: 6:57
